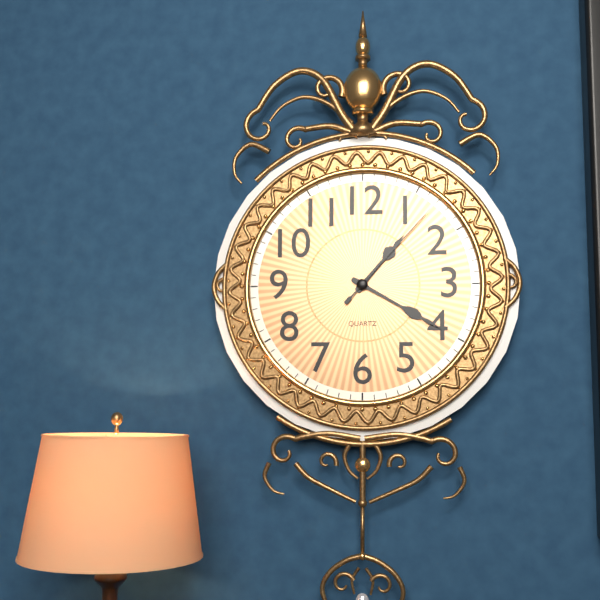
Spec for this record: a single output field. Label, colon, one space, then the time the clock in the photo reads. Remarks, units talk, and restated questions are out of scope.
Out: 1:20:07
